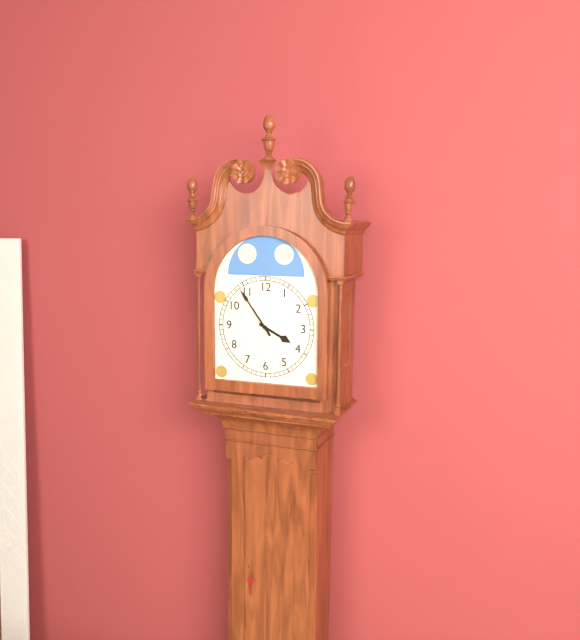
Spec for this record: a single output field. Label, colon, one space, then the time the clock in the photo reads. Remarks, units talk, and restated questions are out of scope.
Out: 3:54
